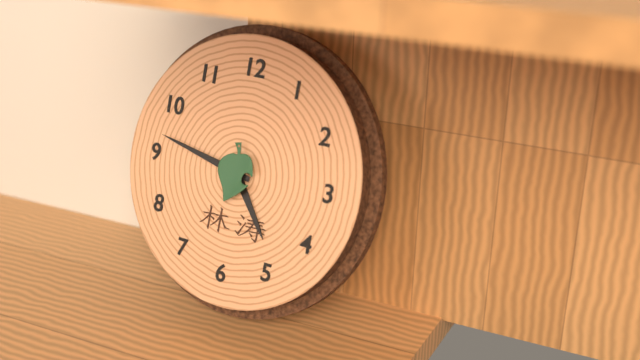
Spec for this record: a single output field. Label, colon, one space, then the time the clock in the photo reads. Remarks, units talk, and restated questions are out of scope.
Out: 4:47
